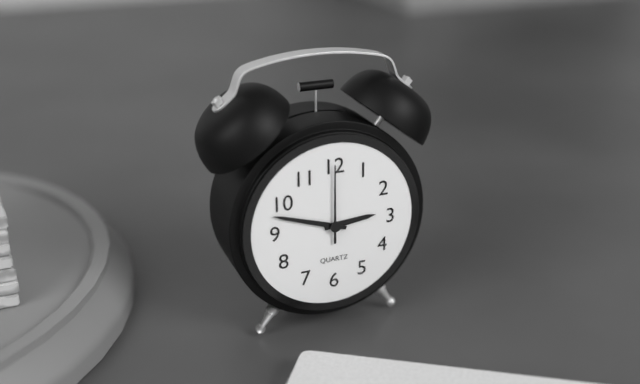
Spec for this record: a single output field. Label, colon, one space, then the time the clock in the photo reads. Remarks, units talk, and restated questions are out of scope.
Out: 2:48:00
